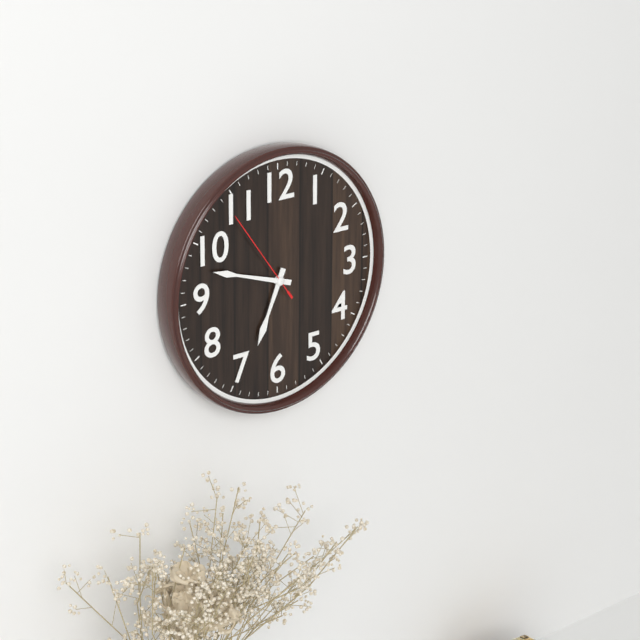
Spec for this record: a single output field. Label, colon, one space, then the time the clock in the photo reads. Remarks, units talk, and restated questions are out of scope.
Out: 6:48:54
